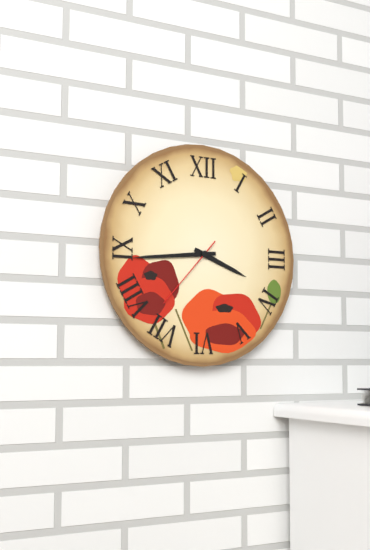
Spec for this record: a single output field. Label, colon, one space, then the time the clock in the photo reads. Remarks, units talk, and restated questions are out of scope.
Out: 3:44:37
